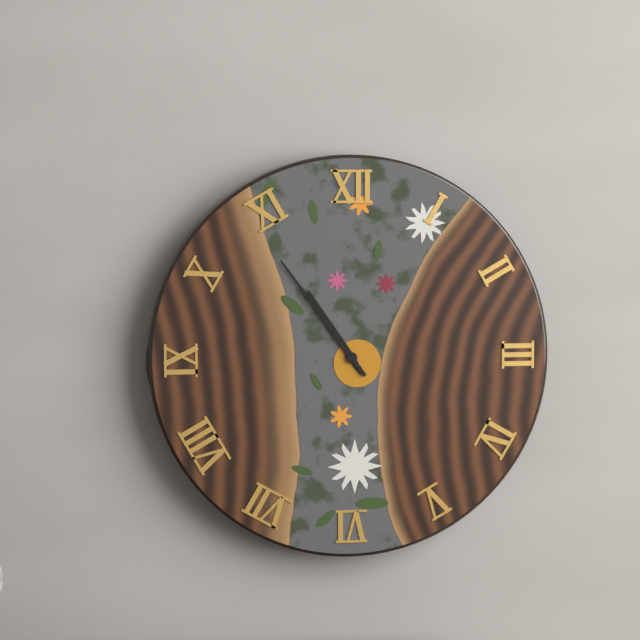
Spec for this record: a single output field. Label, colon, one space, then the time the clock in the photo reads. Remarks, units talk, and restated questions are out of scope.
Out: 10:54
